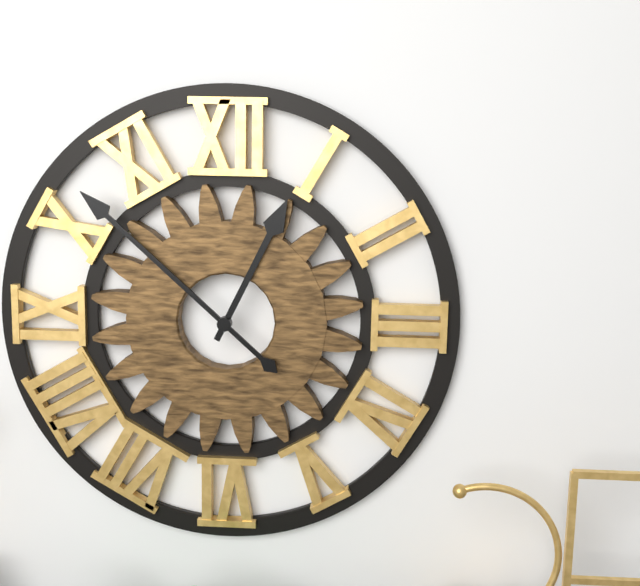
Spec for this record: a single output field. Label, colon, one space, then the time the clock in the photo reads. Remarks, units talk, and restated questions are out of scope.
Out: 12:52
